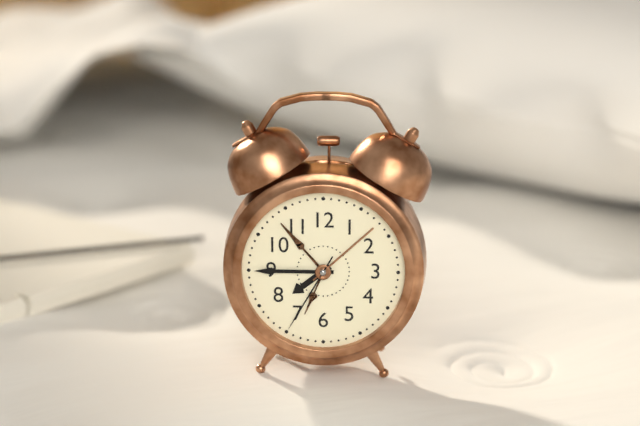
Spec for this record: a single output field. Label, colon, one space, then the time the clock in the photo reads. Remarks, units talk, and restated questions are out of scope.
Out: 7:45:35
